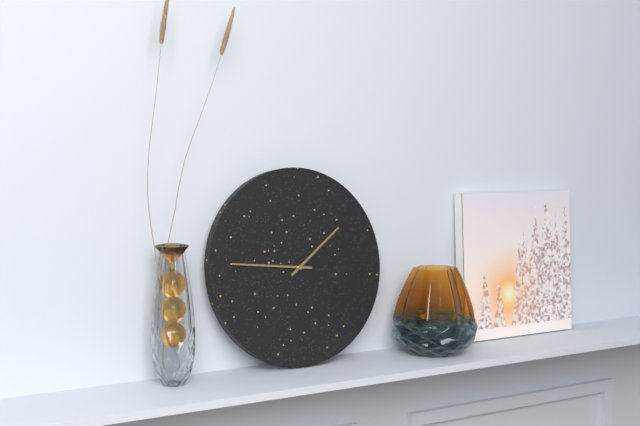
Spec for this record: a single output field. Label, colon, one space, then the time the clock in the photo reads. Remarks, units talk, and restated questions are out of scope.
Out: 1:46
